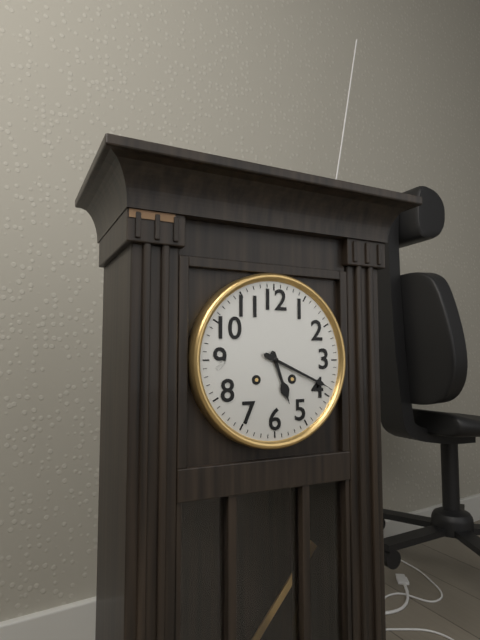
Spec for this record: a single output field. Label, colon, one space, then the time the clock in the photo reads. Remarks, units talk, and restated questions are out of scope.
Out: 5:19
